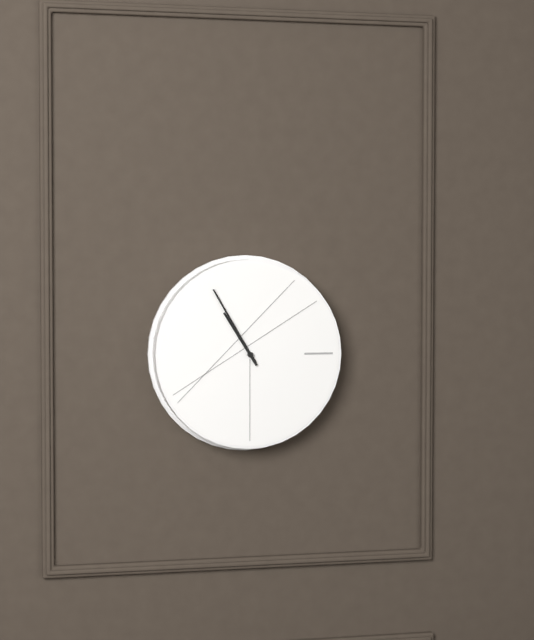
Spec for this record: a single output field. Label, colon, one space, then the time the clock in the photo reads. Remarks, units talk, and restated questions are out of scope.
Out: 10:55
